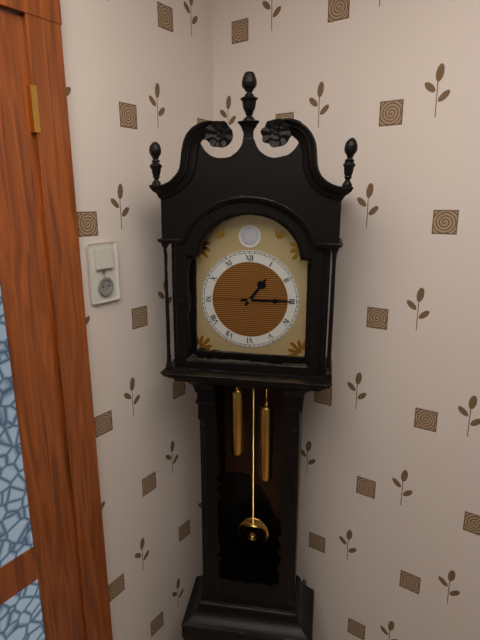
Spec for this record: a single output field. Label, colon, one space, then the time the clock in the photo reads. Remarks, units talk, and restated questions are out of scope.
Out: 1:15
